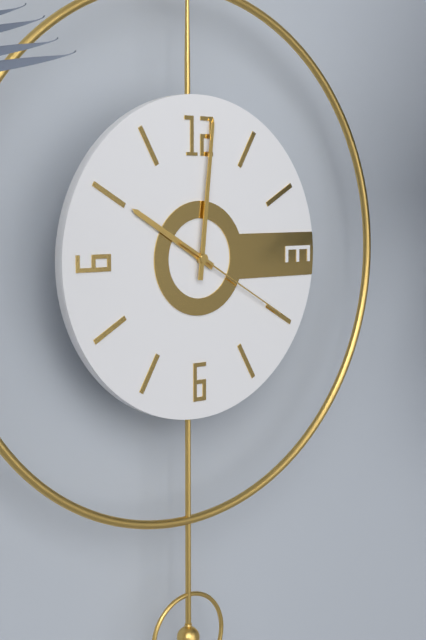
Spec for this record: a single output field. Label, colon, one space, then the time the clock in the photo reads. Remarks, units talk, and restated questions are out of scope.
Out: 10:01:20
